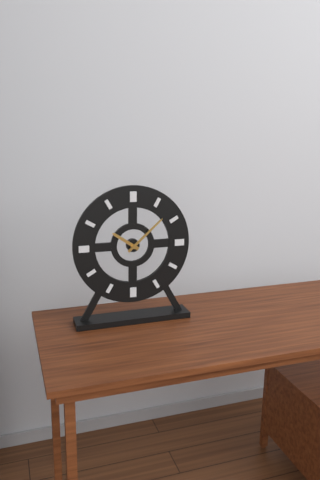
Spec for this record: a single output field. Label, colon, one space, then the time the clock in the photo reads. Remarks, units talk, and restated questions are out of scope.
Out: 10:08
